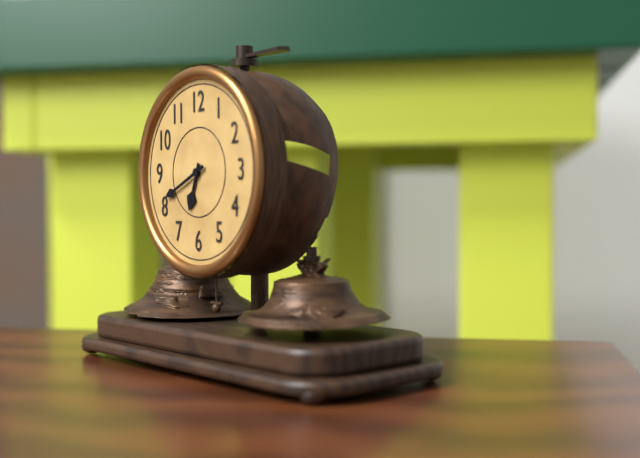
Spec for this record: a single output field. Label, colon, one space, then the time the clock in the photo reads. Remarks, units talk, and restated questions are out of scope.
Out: 6:41
